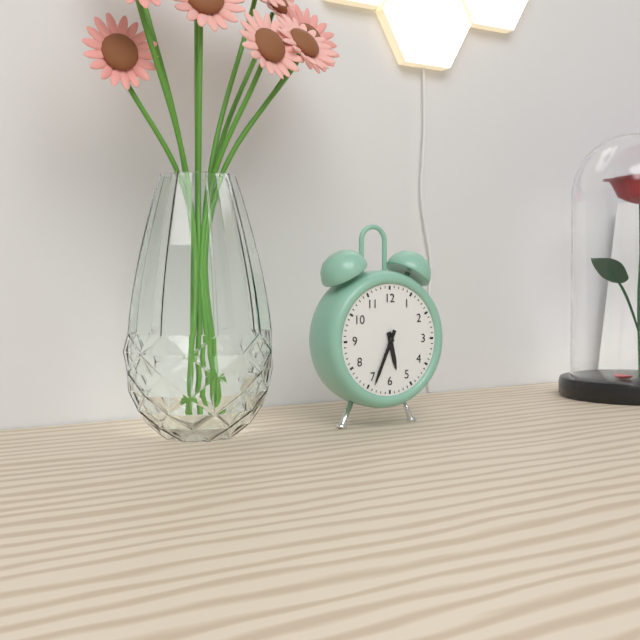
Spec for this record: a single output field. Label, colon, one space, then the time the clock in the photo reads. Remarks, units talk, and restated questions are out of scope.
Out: 5:34
